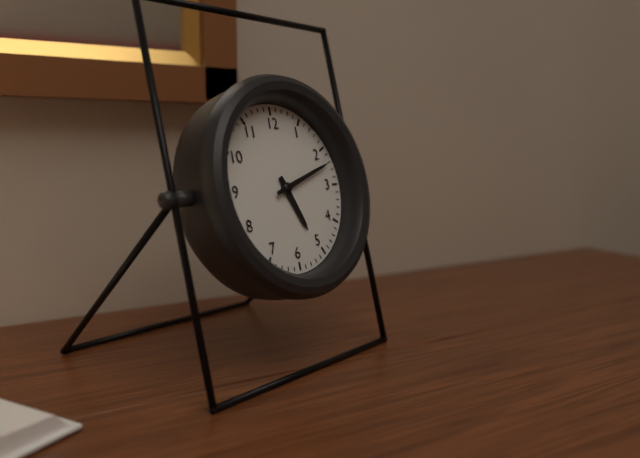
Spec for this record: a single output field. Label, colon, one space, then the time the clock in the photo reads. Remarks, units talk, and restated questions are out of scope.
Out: 5:12
